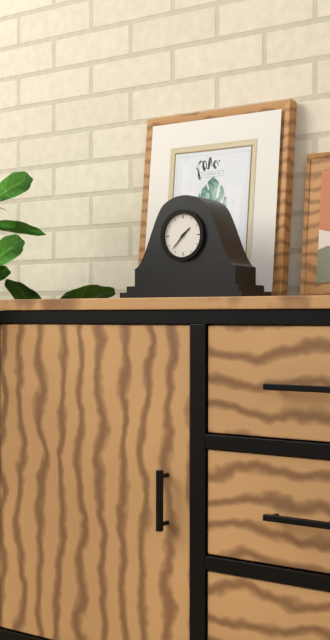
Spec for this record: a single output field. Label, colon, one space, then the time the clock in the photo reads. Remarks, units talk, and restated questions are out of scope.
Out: 1:37
